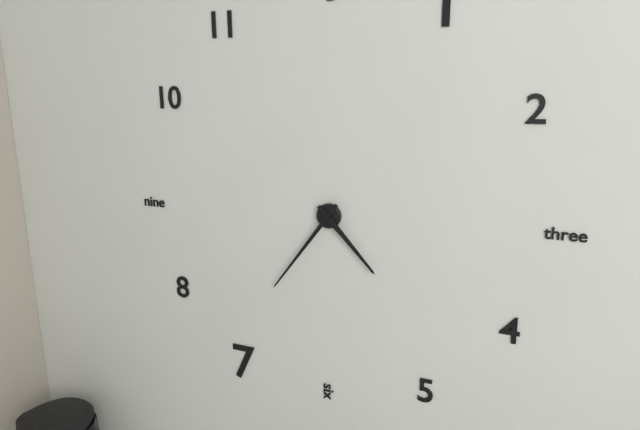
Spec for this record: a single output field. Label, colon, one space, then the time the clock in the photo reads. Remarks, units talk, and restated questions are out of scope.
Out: 4:36
